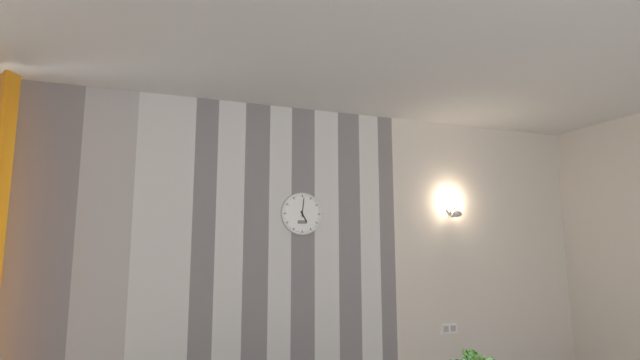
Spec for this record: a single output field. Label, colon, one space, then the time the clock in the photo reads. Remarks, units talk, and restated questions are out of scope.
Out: 5:01
